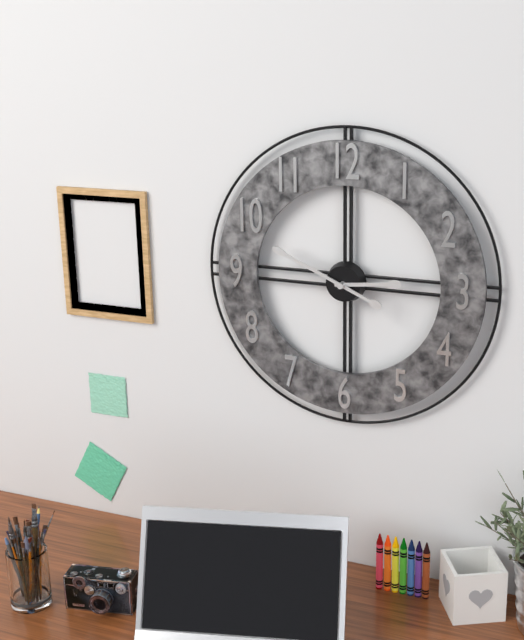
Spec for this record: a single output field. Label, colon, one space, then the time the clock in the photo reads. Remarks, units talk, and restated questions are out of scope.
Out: 2:49
